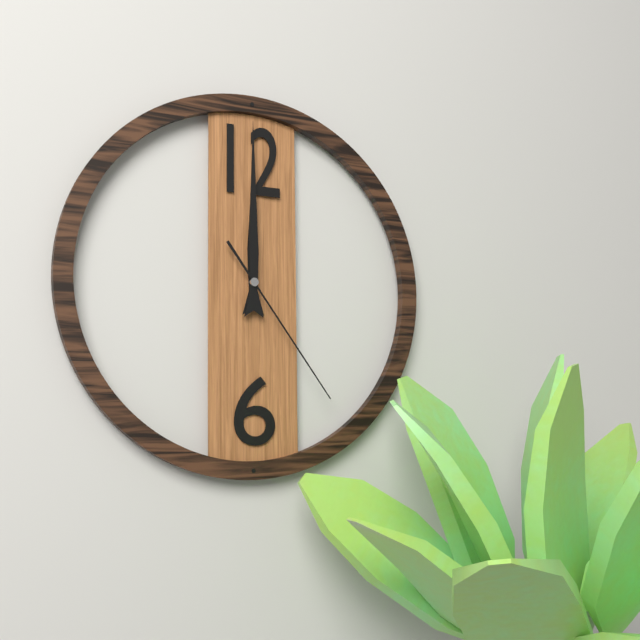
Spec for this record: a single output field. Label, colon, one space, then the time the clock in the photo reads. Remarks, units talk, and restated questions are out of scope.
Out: 12:00:24
